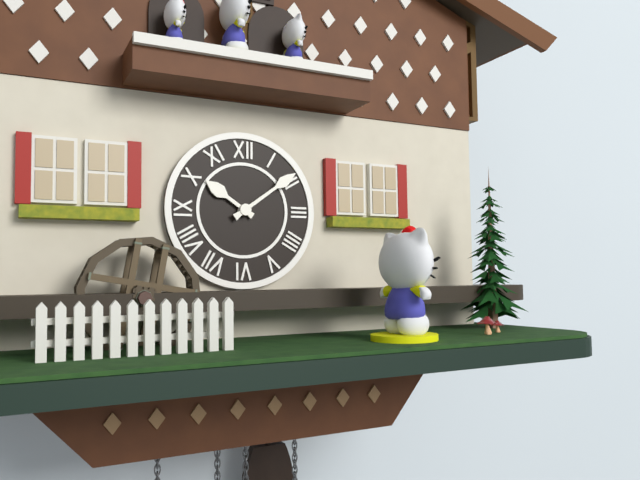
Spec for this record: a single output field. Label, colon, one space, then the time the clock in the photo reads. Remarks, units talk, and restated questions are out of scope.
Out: 10:09
